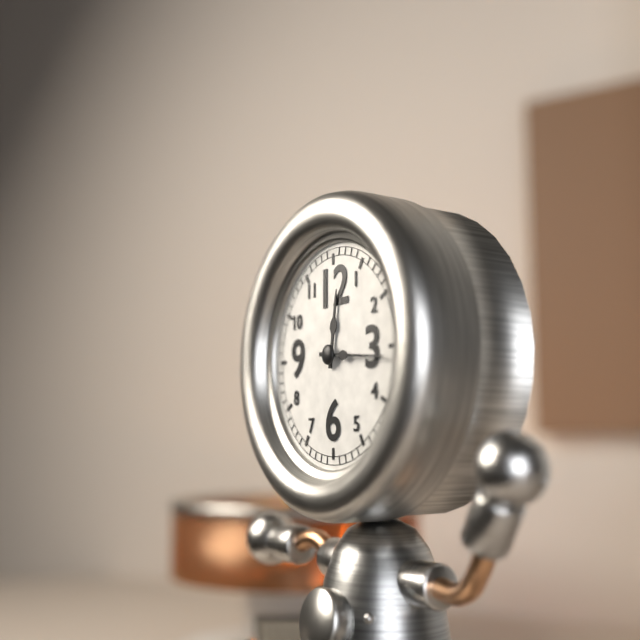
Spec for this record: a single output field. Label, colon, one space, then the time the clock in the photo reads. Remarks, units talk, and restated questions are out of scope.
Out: 12:16
